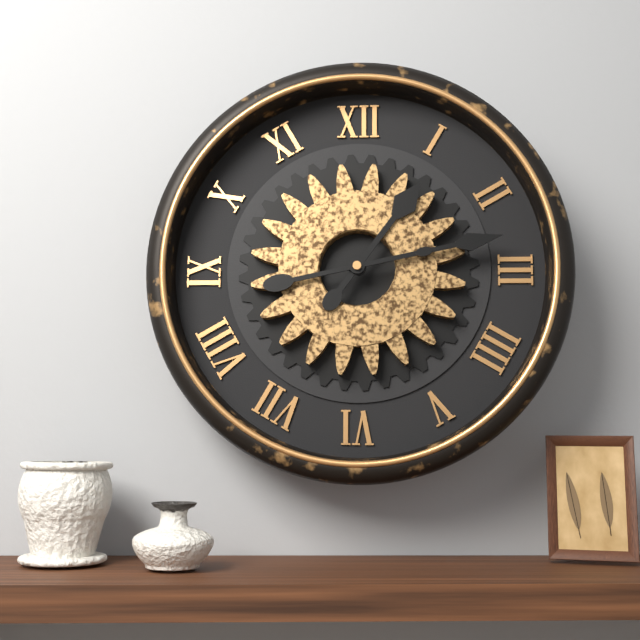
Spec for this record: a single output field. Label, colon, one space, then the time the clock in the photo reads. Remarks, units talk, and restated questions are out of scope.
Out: 1:13
